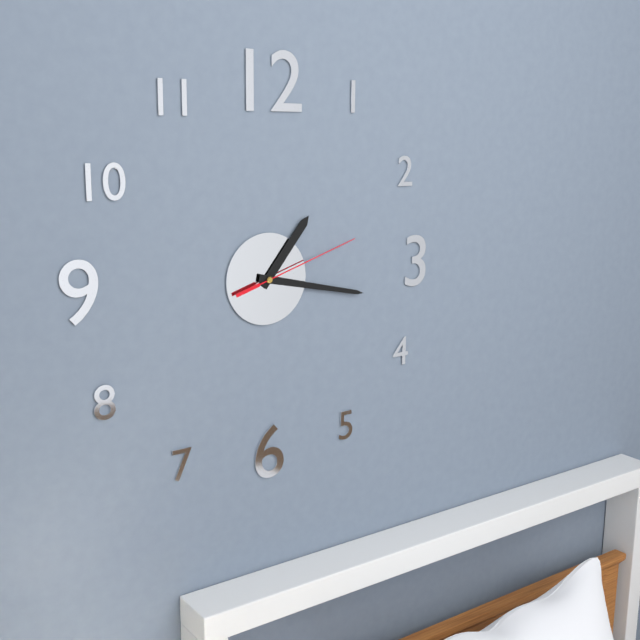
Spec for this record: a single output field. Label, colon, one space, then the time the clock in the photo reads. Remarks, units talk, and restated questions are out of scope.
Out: 1:17:12
